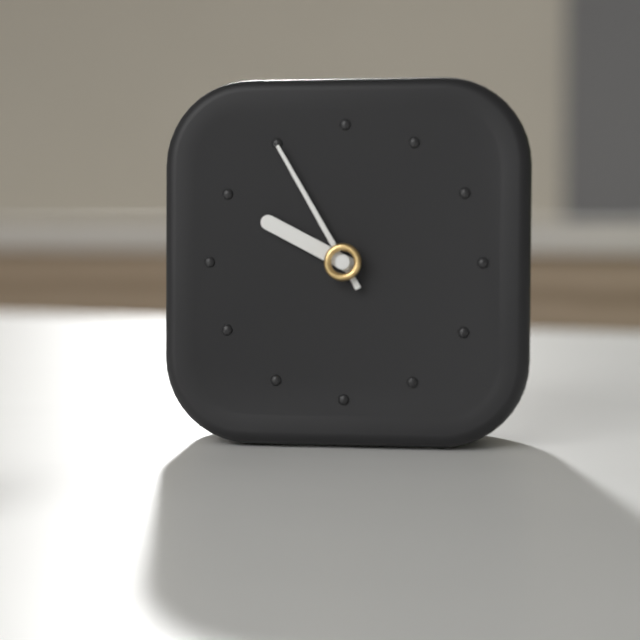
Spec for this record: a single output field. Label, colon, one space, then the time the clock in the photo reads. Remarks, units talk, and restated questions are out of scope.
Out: 9:55
